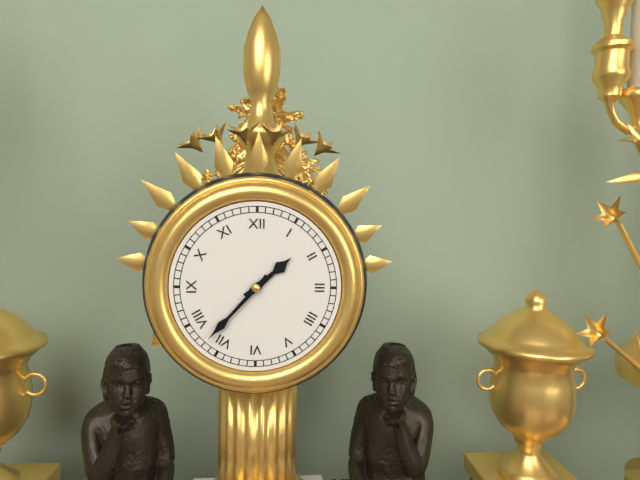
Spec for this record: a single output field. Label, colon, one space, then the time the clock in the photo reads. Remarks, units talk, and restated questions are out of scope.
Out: 1:37
